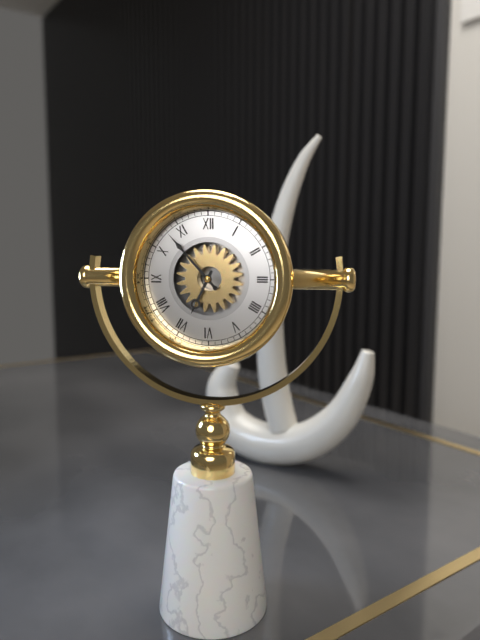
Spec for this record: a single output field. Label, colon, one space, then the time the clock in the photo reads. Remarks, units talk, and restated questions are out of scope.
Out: 6:53
